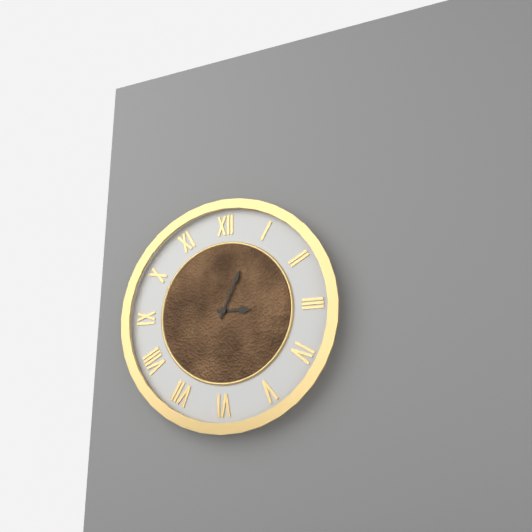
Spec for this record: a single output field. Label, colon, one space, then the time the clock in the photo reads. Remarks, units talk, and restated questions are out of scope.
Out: 3:04
